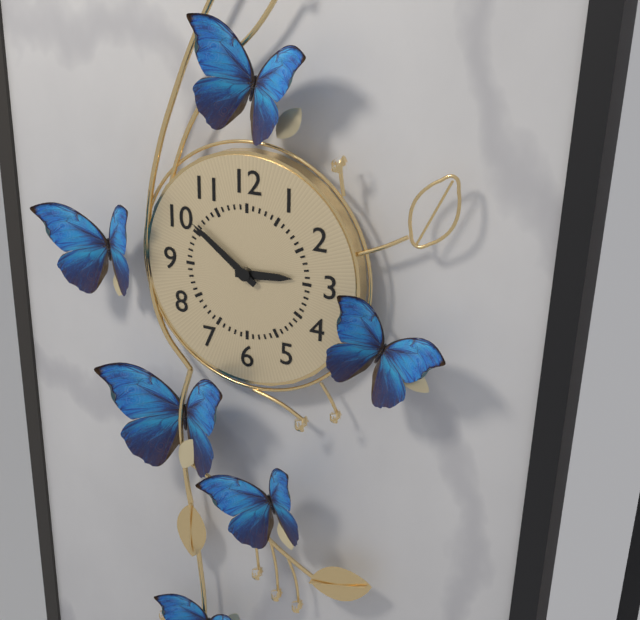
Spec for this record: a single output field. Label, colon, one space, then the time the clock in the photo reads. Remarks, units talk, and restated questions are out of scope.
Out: 2:51
